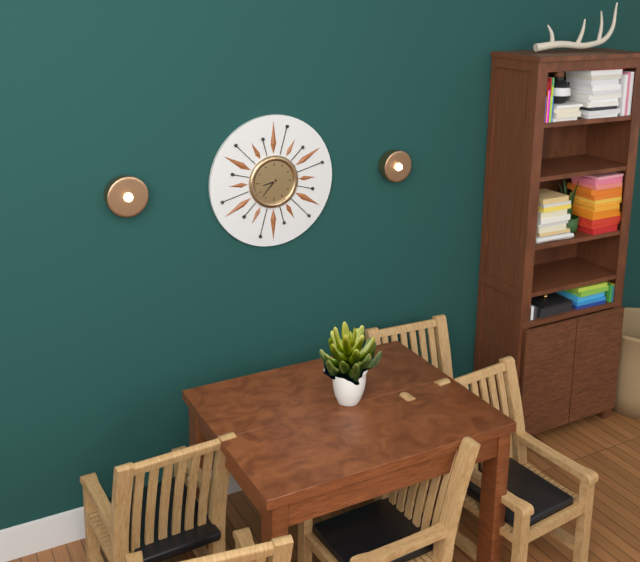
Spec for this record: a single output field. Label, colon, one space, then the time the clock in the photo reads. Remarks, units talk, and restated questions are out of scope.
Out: 8:37
